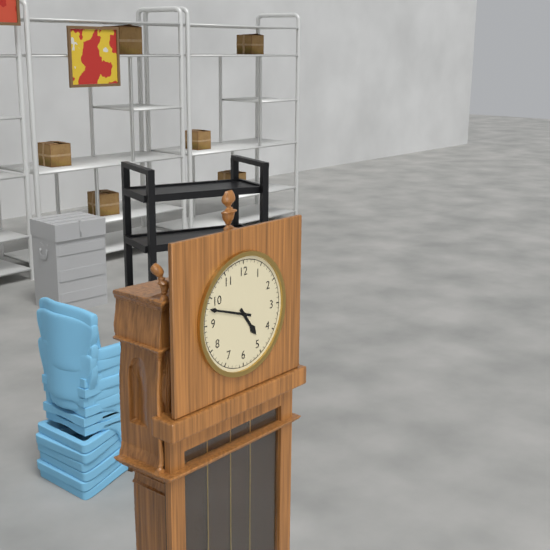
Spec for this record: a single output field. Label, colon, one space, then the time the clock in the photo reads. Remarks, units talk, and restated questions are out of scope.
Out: 4:48
